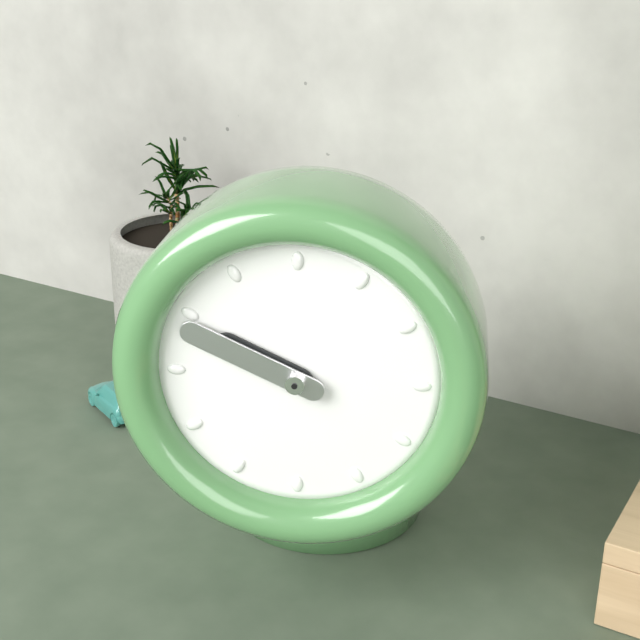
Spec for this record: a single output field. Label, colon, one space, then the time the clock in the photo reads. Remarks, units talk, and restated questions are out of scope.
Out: 9:49
